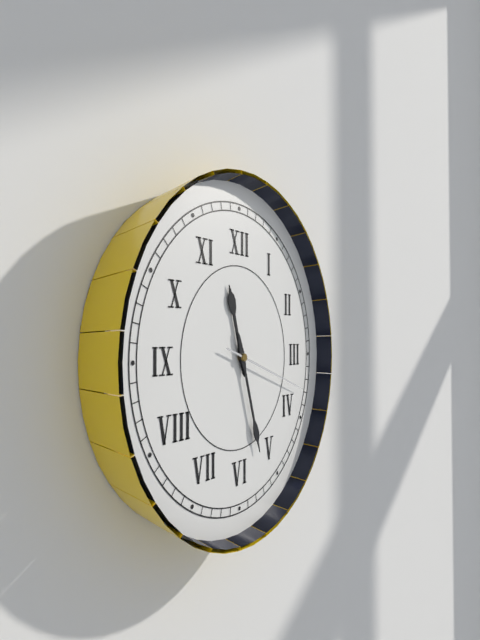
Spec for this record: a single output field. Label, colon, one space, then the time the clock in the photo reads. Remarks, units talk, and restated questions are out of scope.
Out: 11:27:18
